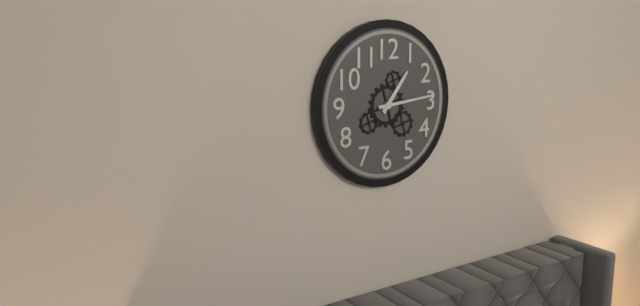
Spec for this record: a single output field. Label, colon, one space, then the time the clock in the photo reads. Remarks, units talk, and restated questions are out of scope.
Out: 1:14
